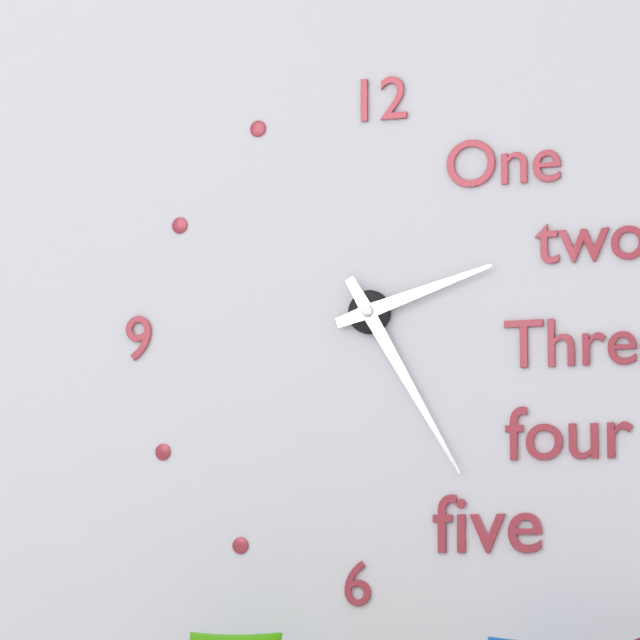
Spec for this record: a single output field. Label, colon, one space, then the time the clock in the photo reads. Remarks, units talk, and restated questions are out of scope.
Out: 2:25
